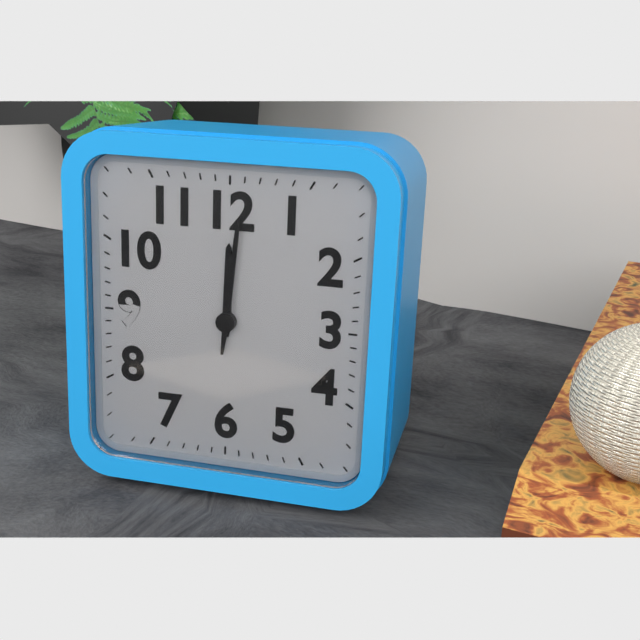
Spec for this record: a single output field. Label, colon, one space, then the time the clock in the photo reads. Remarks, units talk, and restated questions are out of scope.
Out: 12:01
